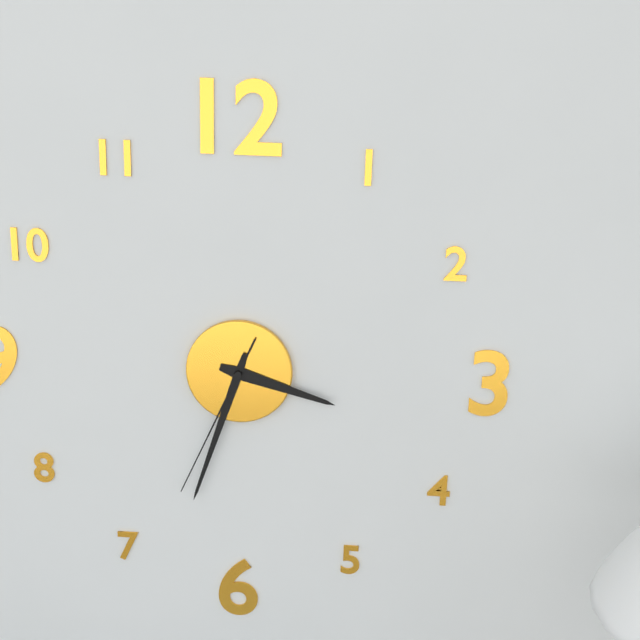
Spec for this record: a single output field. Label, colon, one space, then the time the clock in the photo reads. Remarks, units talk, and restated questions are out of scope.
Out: 3:33:34
